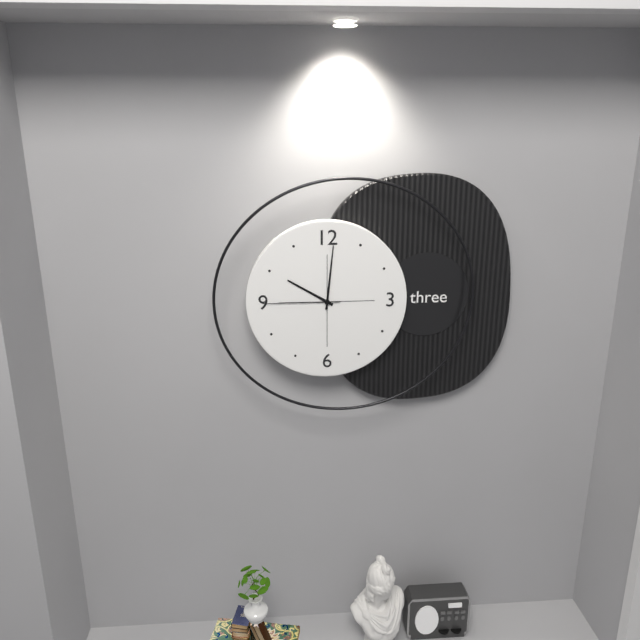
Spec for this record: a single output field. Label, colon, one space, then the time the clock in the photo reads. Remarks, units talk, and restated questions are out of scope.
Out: 10:01:45
